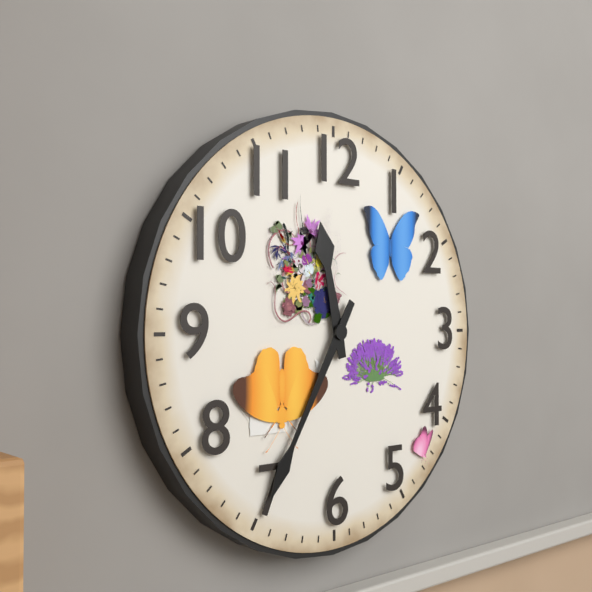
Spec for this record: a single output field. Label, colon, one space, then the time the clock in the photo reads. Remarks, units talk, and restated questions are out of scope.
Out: 11:35
